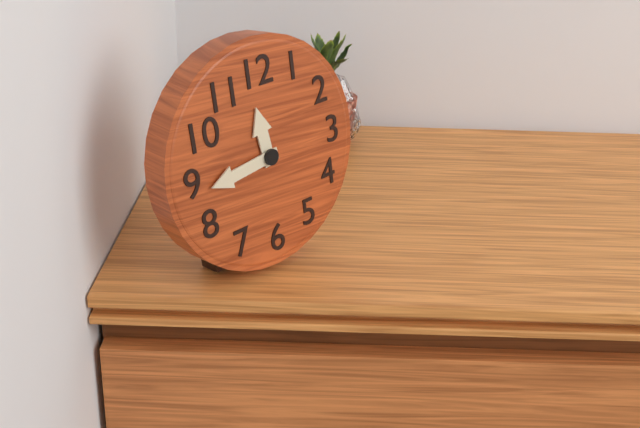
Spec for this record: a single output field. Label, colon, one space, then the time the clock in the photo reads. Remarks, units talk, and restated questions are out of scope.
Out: 11:44
